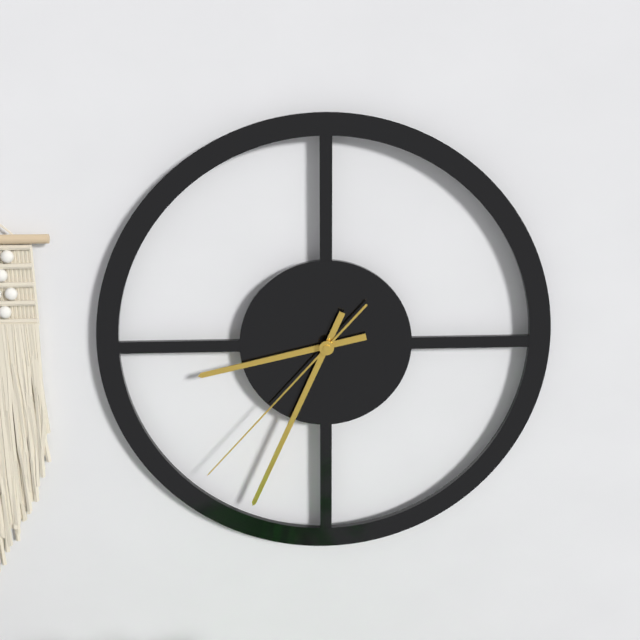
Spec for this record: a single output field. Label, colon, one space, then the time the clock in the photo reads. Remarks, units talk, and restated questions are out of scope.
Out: 8:34:37
